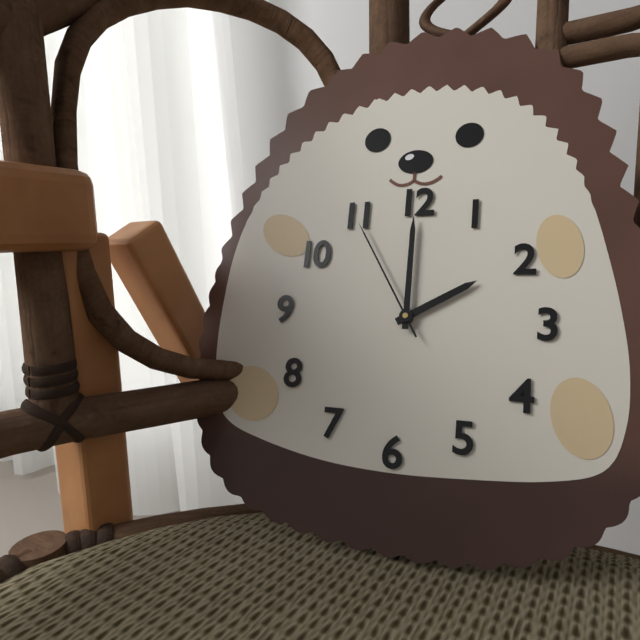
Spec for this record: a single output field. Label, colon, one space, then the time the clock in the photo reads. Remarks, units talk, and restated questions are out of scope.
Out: 2:00:55
